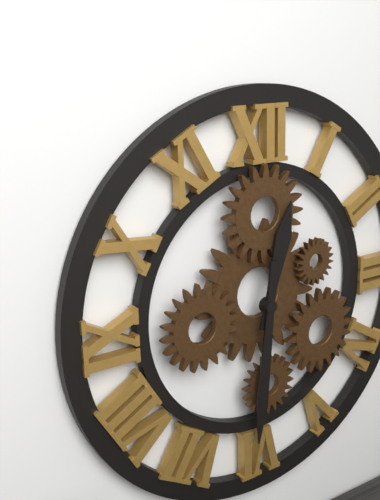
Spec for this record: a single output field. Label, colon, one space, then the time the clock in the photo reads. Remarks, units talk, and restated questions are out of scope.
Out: 12:31
